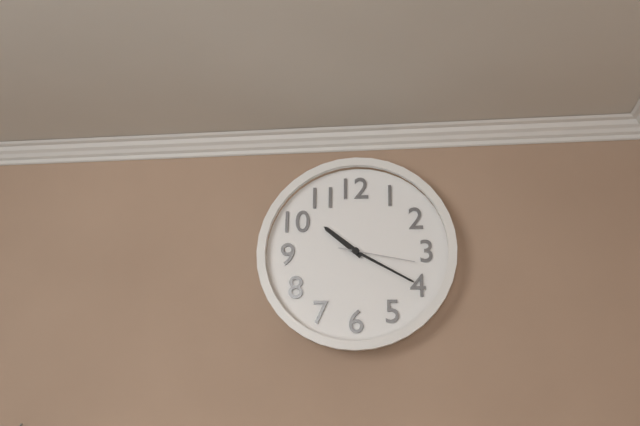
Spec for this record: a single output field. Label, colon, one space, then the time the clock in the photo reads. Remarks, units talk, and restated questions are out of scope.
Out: 10:20:17
